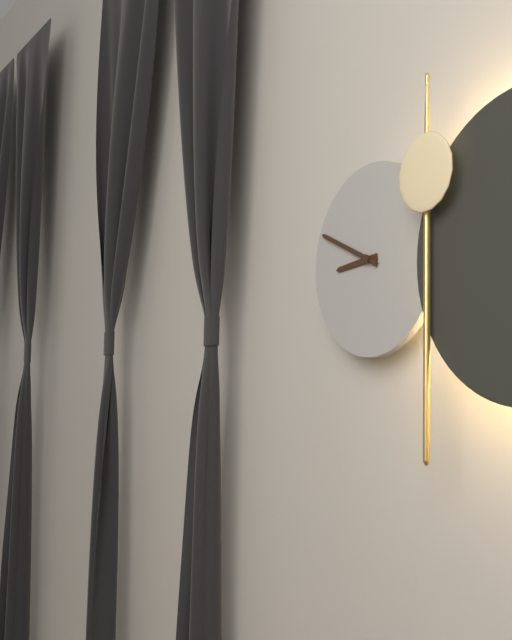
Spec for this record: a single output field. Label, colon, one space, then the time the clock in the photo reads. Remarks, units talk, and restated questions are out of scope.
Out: 8:49
